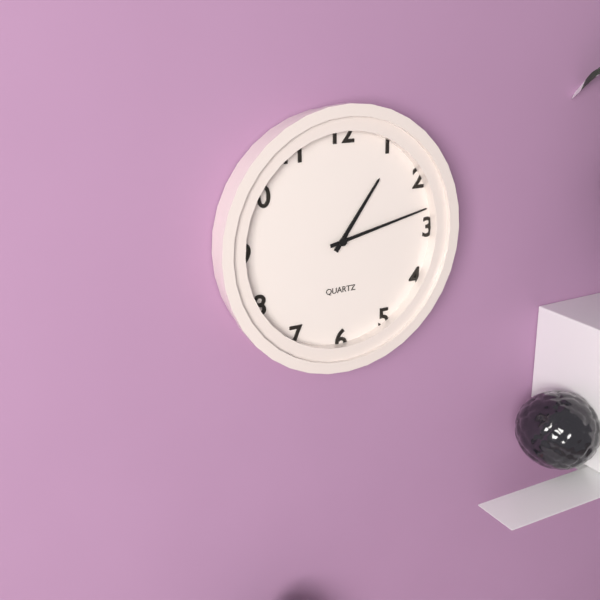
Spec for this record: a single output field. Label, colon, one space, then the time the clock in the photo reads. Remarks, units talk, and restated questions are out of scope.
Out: 1:13
